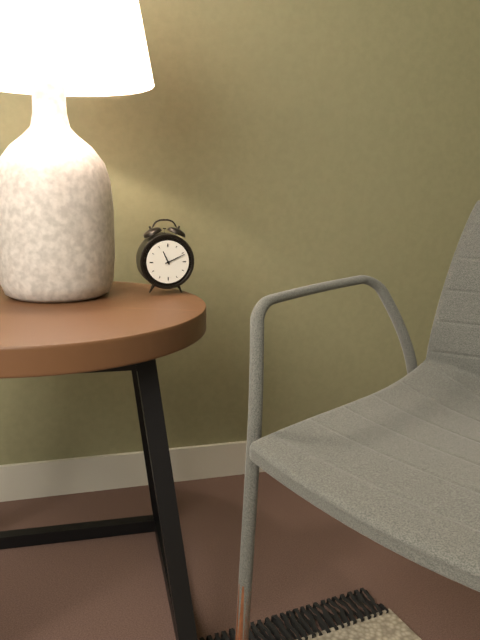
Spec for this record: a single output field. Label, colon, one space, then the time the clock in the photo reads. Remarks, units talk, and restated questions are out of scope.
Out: 11:11
